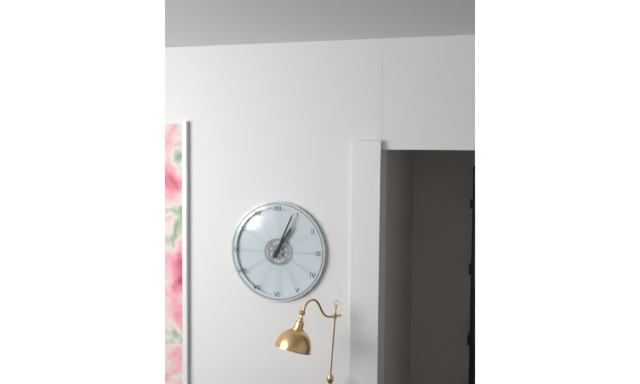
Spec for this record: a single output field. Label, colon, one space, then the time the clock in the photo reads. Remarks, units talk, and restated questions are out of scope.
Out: 1:04
